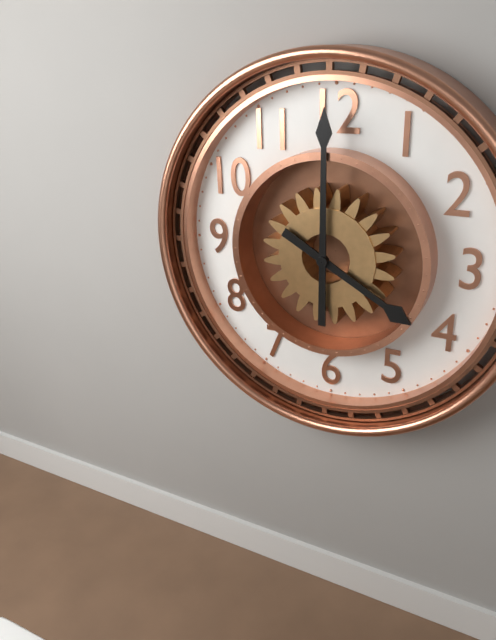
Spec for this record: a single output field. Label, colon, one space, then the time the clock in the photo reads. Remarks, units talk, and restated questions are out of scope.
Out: 4:00
